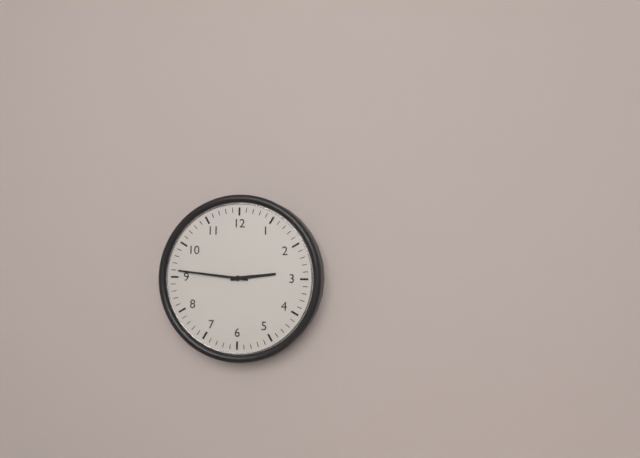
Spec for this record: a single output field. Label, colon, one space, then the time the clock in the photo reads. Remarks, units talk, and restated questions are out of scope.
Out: 2:46
